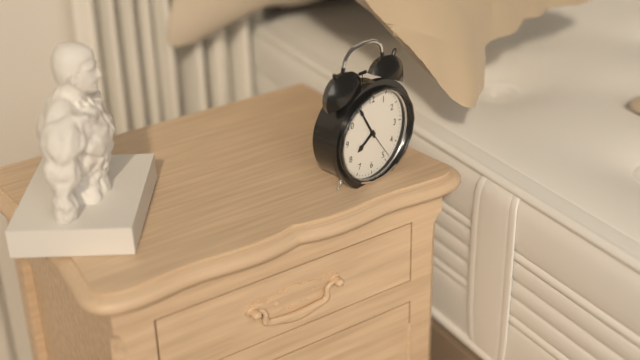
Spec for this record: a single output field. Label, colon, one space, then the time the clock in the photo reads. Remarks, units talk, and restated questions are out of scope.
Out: 7:55
